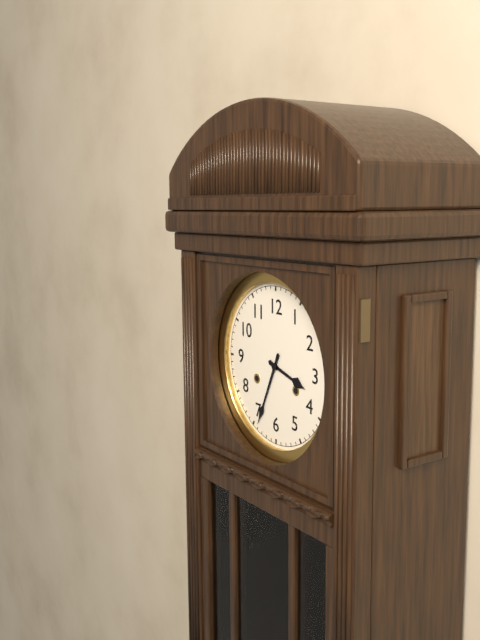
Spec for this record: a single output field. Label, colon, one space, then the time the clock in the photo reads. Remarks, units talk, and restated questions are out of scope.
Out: 3:34
